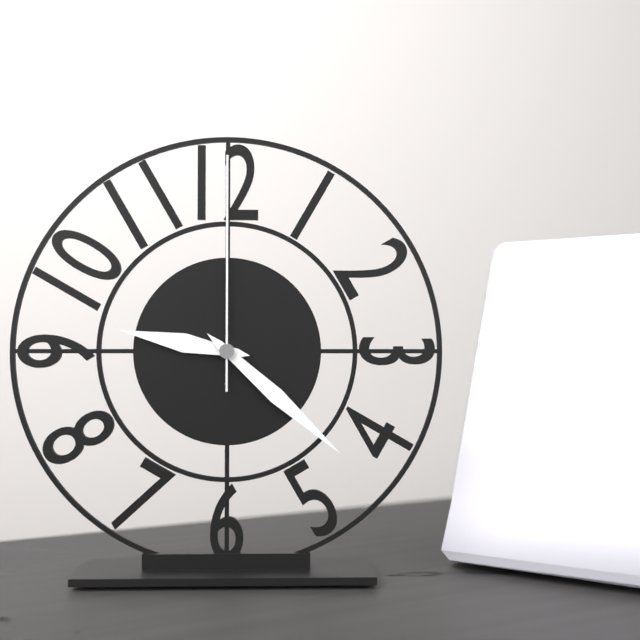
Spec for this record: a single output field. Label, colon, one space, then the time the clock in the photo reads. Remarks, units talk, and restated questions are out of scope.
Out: 9:22:00
